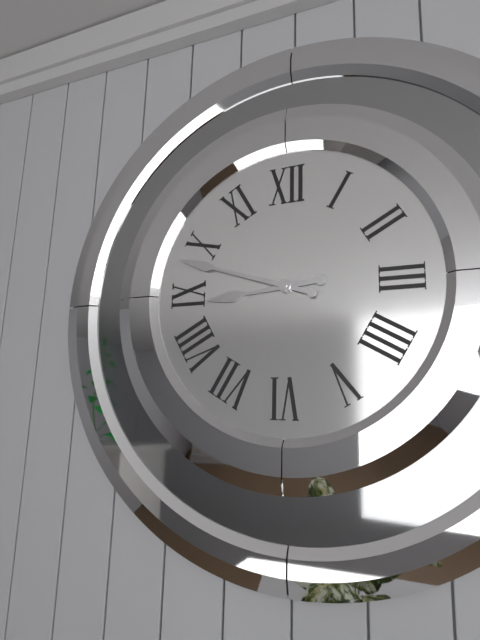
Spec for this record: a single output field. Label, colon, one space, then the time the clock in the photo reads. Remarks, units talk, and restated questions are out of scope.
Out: 8:48
